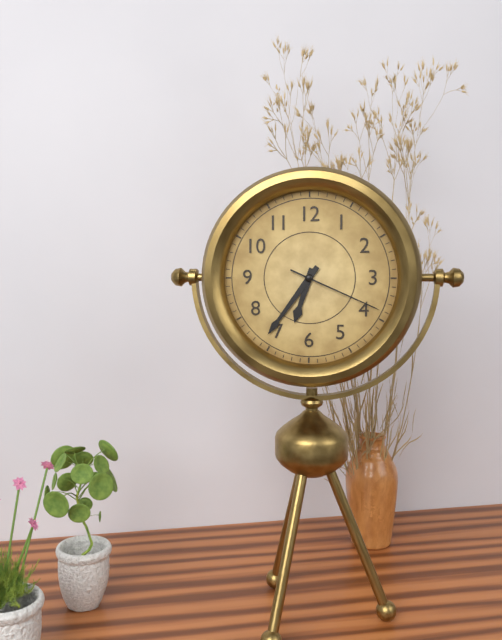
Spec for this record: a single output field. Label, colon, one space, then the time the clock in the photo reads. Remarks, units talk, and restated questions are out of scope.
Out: 6:36:19
